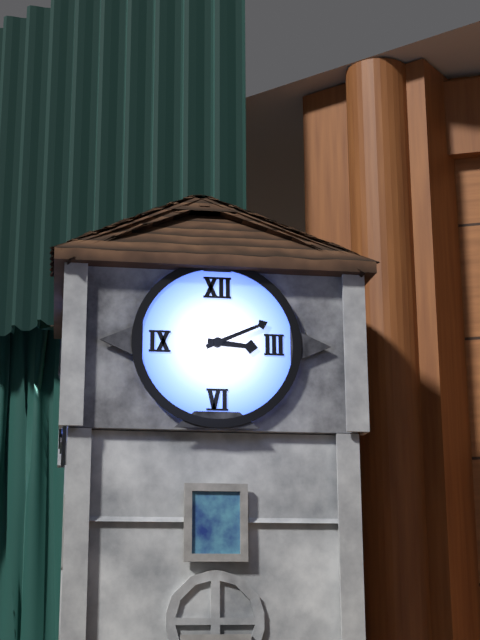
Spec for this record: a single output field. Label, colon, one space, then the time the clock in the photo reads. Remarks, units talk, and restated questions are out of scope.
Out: 3:11
